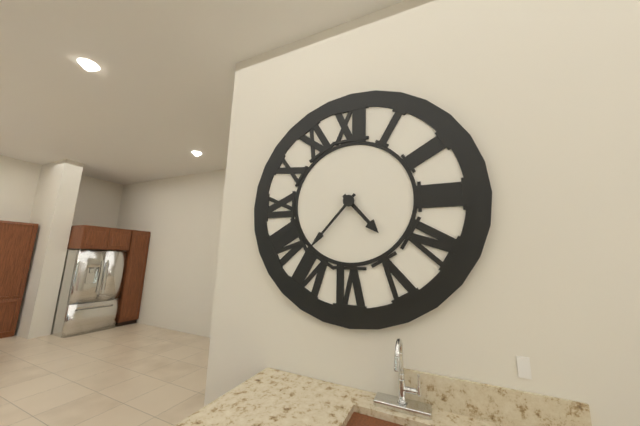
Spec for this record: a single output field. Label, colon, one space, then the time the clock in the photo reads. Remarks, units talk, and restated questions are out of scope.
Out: 4:37
